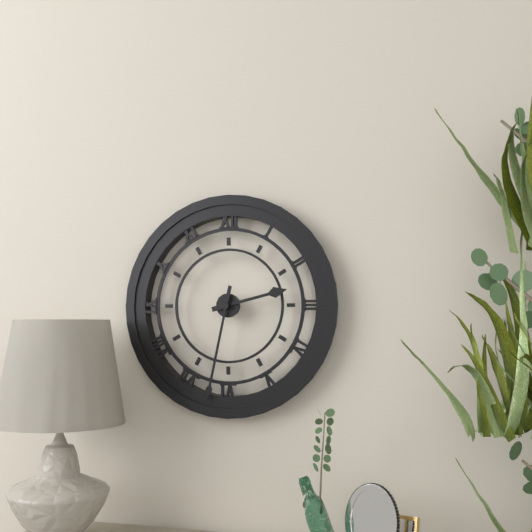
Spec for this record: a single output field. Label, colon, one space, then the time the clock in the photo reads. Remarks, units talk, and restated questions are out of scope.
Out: 2:32
